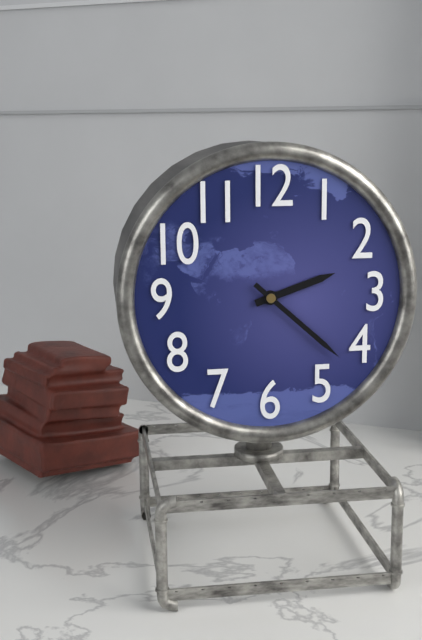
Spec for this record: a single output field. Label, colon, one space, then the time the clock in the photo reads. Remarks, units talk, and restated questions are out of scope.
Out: 2:22
